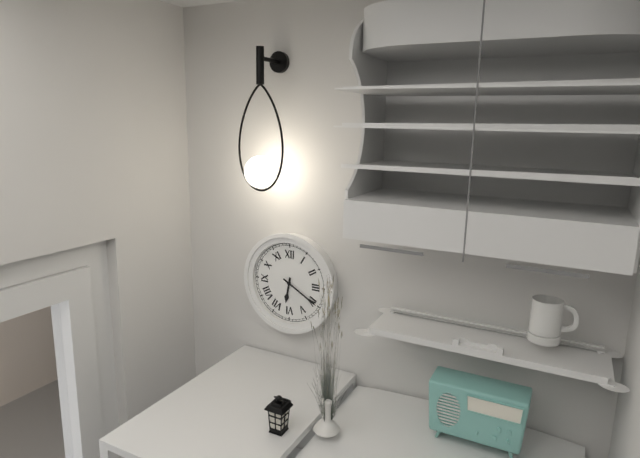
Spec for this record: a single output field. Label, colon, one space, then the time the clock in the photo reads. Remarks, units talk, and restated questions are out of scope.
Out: 6:20
